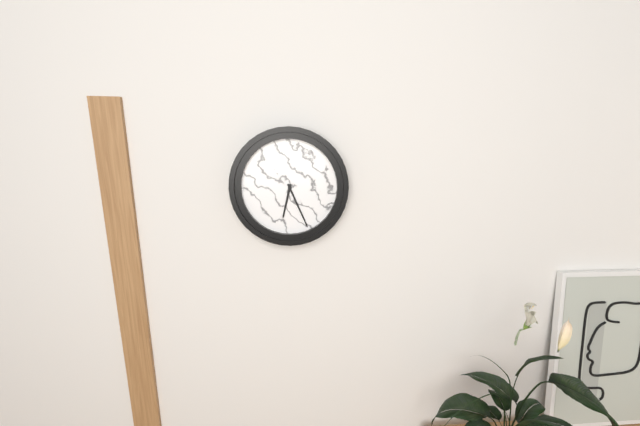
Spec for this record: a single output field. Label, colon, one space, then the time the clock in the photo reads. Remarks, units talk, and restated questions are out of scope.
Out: 6:26
